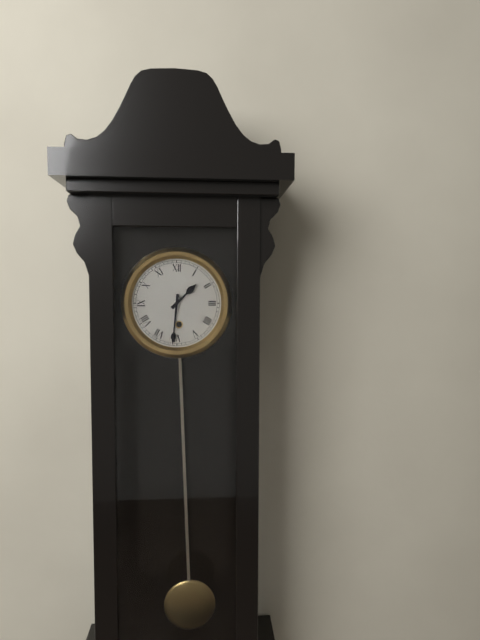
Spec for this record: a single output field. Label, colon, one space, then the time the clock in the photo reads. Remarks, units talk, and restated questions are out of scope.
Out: 1:31
